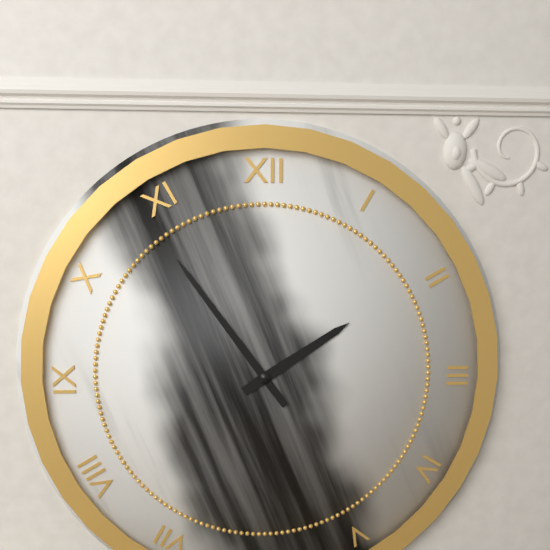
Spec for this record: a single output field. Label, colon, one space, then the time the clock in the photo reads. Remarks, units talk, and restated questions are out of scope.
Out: 1:54
